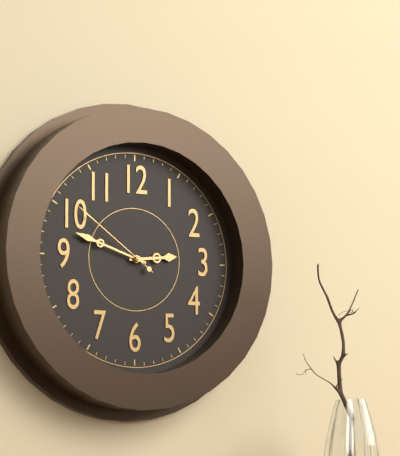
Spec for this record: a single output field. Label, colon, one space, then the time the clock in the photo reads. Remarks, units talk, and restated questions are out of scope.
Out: 2:48:51
